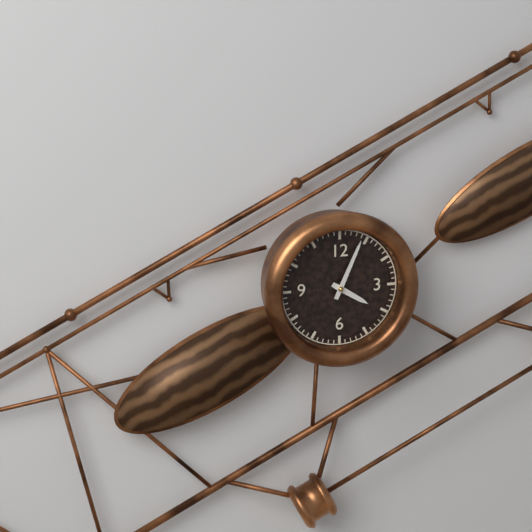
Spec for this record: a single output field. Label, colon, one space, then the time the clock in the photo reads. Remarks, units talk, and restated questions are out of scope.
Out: 4:04
